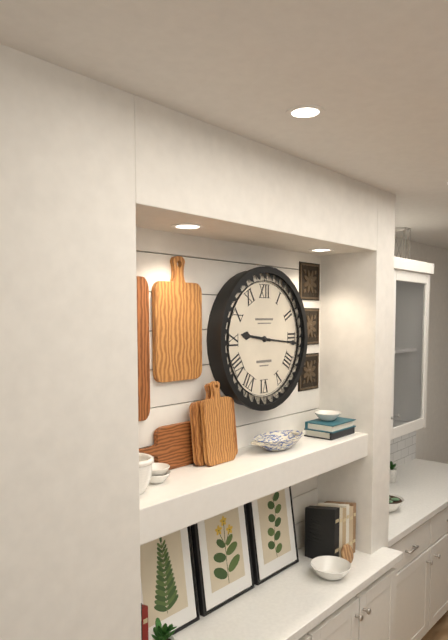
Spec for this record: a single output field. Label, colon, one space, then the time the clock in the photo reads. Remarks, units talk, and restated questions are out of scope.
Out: 9:16
